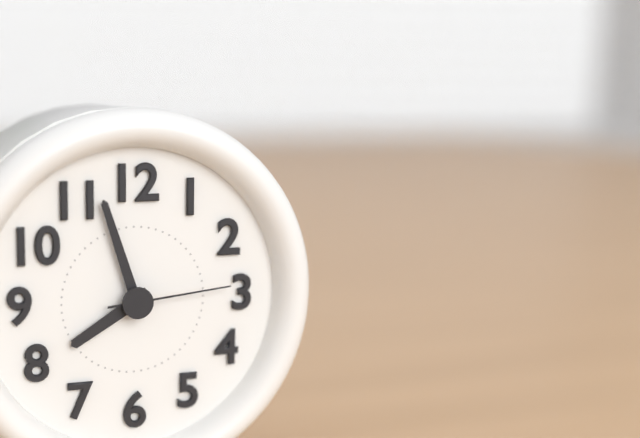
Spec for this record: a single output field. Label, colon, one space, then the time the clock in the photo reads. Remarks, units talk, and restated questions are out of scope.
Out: 7:57:14
